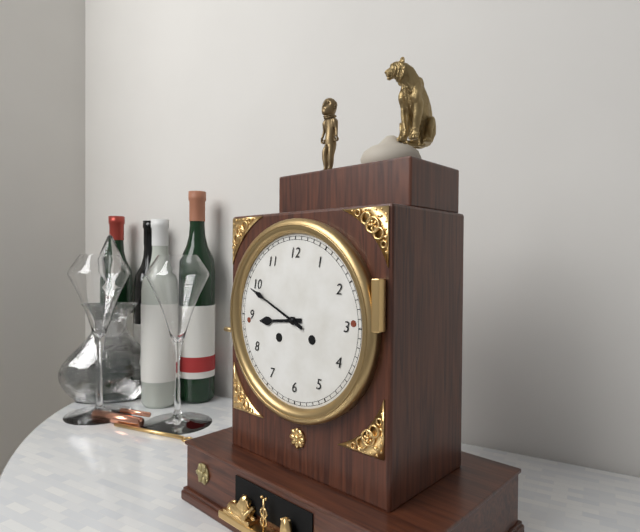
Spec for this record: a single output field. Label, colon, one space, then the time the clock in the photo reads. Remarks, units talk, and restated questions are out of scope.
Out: 8:49
